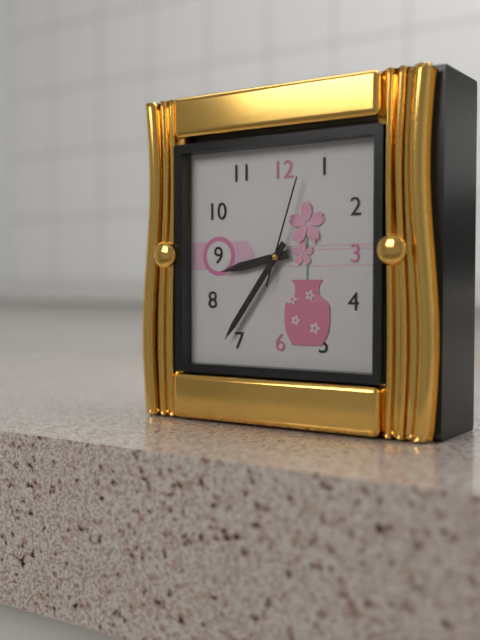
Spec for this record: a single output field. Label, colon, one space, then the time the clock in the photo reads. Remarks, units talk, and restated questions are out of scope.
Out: 8:36:03
